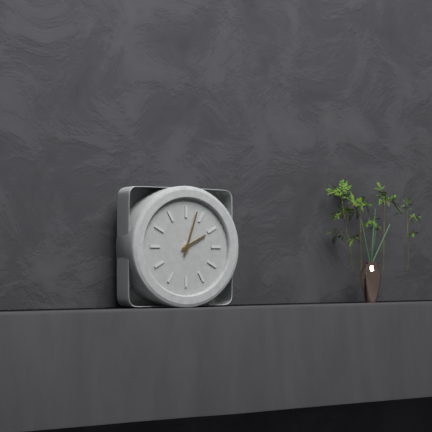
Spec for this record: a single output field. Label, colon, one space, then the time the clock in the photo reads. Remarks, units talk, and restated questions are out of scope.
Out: 2:03
